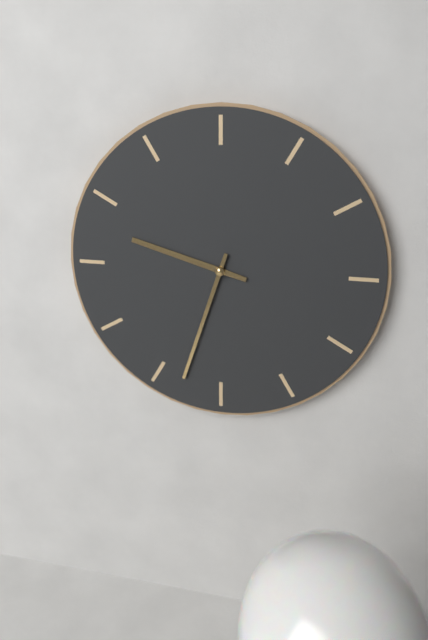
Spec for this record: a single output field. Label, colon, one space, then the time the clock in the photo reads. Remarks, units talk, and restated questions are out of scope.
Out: 9:33
